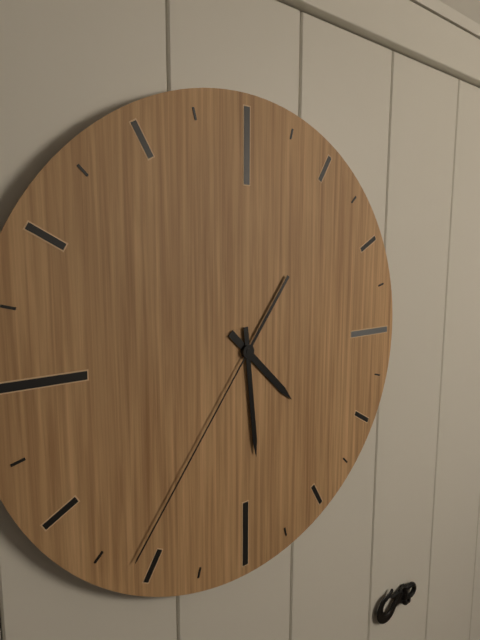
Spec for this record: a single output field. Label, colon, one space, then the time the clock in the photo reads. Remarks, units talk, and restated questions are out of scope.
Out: 4:29:36
